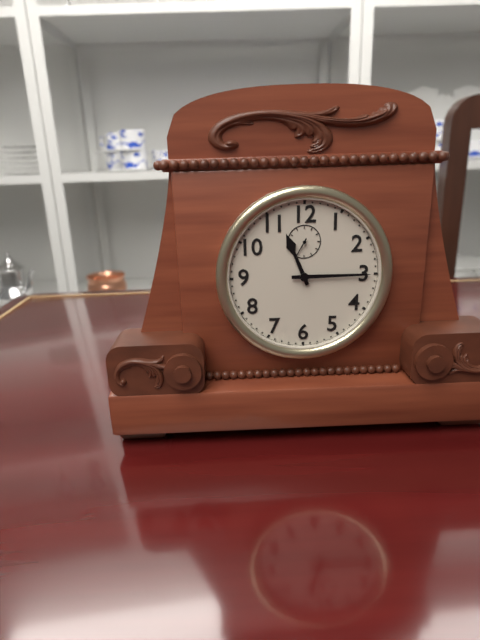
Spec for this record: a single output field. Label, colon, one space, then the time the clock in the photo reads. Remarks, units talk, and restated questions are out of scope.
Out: 11:15
